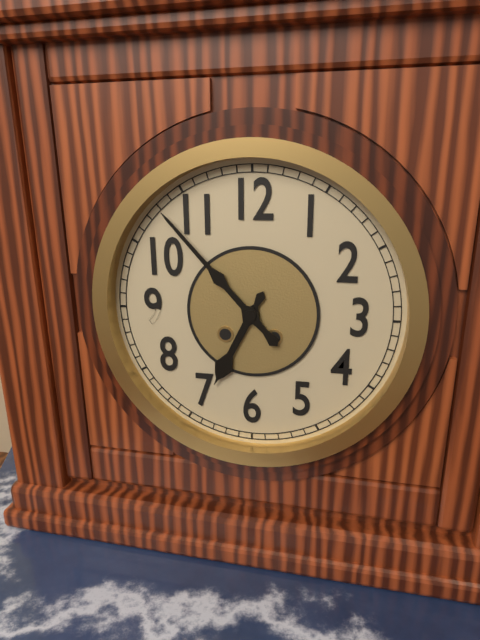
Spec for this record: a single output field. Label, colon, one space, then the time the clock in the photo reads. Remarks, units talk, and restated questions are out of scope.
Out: 6:53
